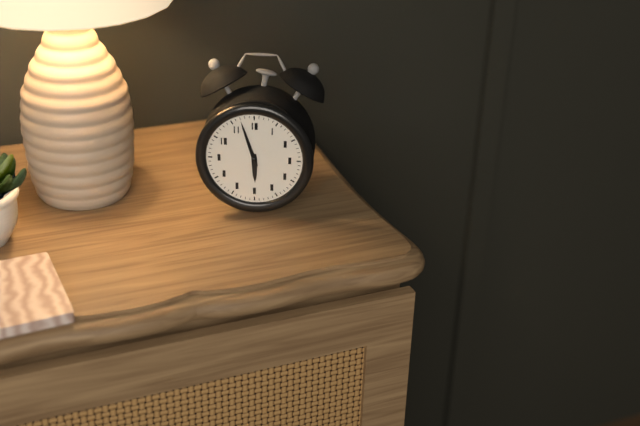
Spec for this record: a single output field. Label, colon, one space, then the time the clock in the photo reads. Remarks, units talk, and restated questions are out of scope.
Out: 5:57
